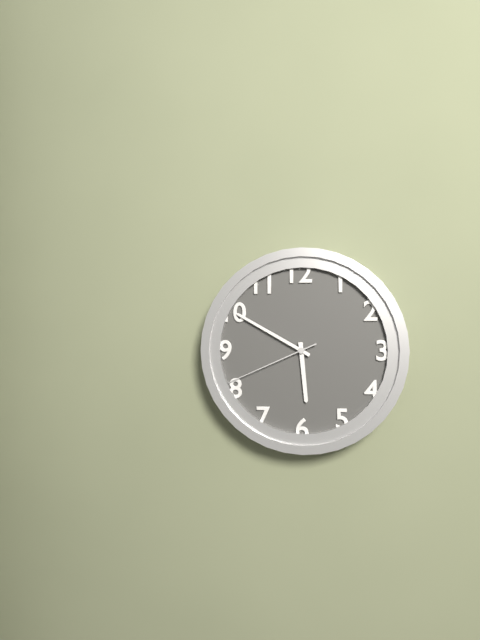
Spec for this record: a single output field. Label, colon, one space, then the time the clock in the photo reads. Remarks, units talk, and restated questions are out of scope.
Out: 5:50:41
